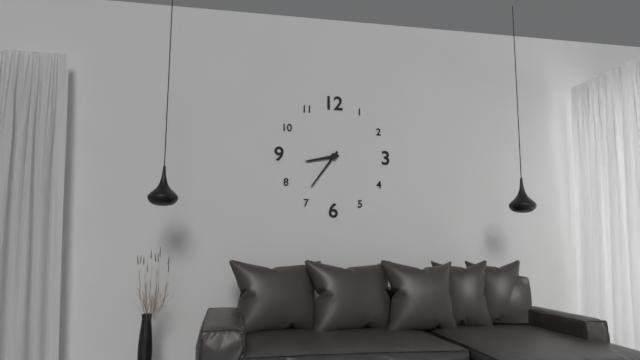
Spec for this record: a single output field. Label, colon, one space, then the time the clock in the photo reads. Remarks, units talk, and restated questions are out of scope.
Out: 8:36
